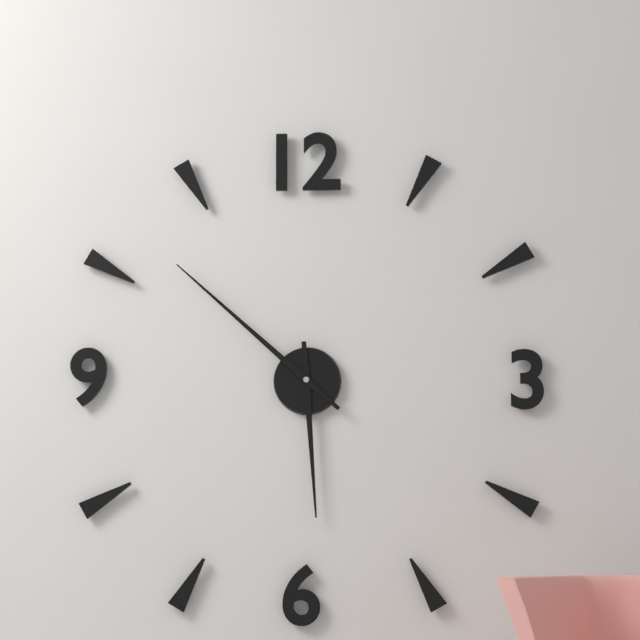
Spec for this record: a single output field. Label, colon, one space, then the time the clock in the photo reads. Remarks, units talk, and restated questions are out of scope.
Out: 5:52
